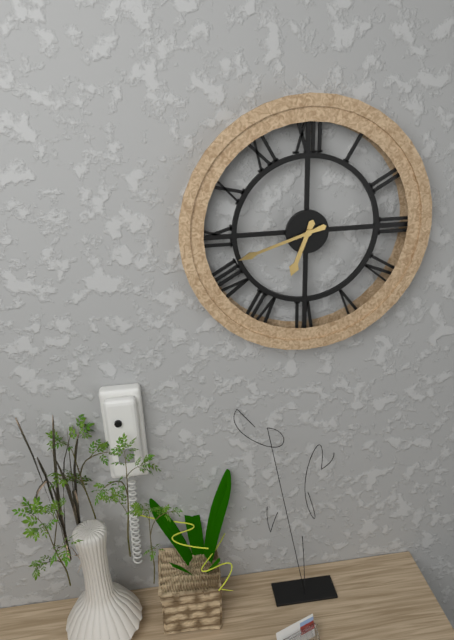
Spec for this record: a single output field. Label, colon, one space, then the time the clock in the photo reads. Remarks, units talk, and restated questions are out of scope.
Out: 6:42
